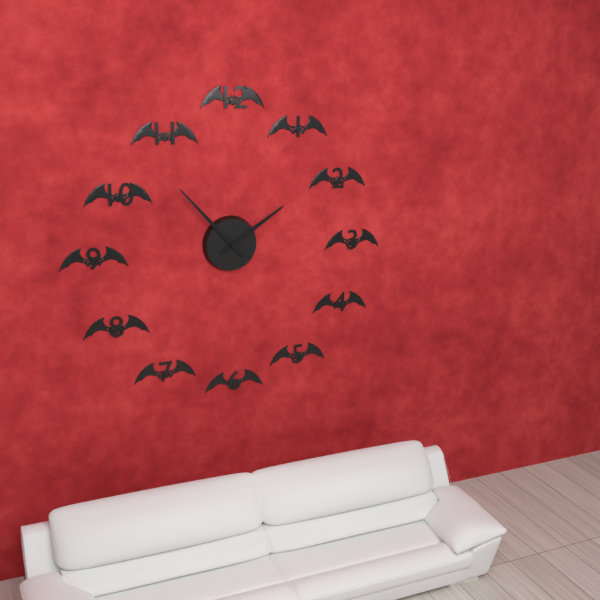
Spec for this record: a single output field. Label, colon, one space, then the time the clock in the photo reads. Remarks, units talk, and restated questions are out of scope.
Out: 1:53
